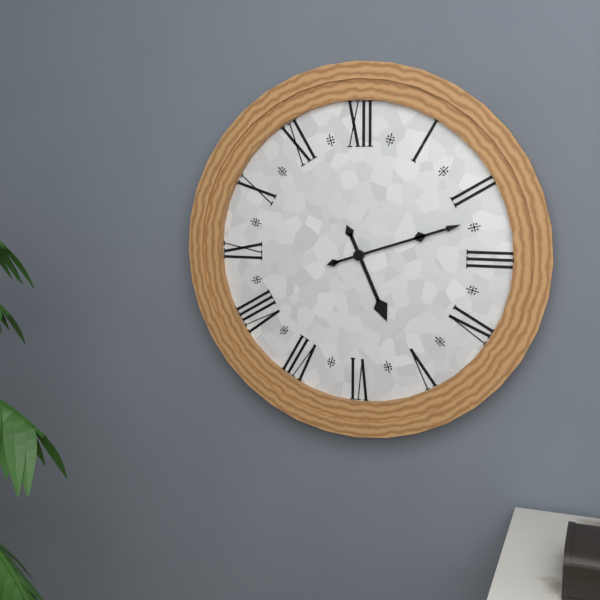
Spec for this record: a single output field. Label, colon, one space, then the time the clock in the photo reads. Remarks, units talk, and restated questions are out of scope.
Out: 5:12
